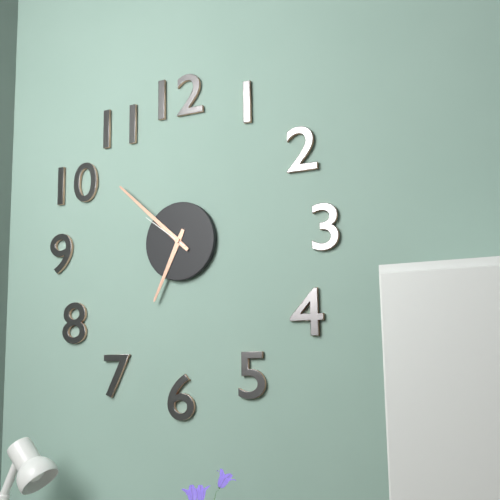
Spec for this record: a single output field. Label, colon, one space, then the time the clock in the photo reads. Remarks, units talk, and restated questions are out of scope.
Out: 6:52
